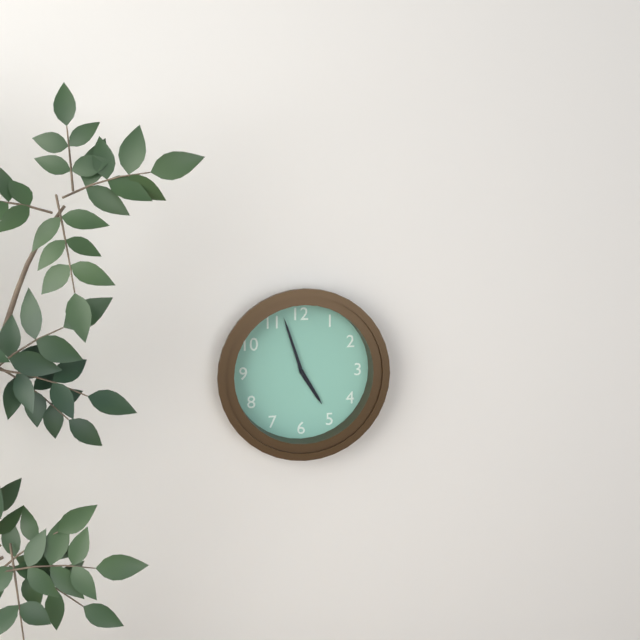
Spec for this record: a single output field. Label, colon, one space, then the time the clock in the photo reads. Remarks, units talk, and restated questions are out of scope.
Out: 4:57
